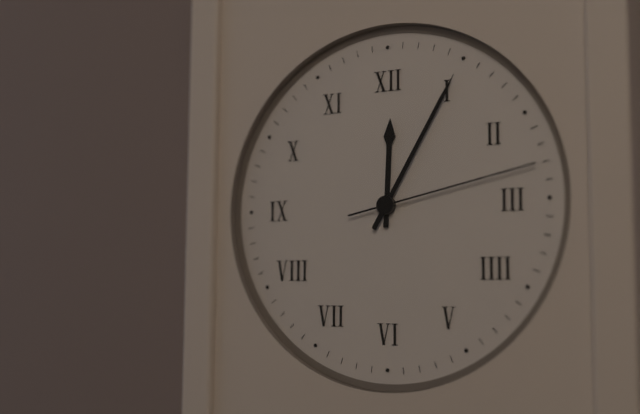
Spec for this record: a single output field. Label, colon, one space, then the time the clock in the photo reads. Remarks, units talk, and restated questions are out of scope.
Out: 12:05:13
